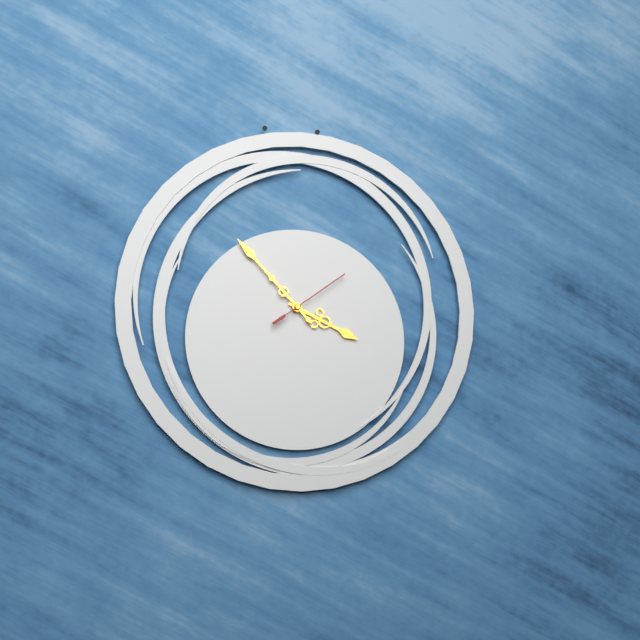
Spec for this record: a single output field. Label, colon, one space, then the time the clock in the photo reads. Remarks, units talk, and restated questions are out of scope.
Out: 3:53:09
